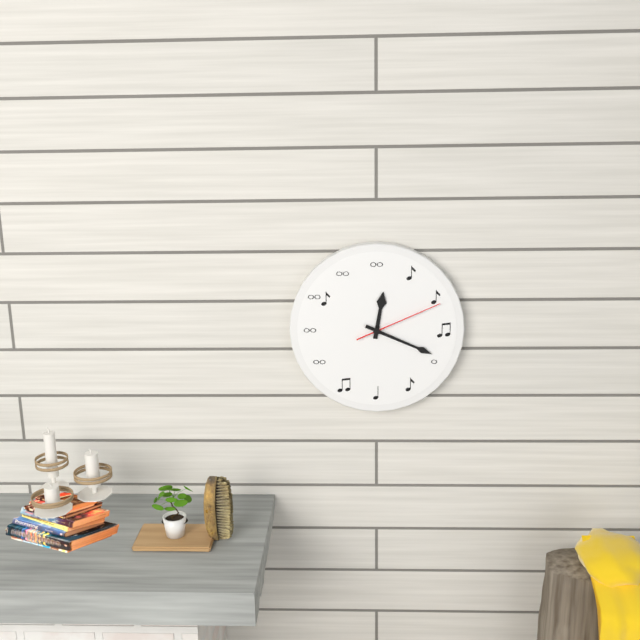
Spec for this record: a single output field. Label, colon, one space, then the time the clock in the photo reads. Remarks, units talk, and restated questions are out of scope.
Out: 12:19:11
